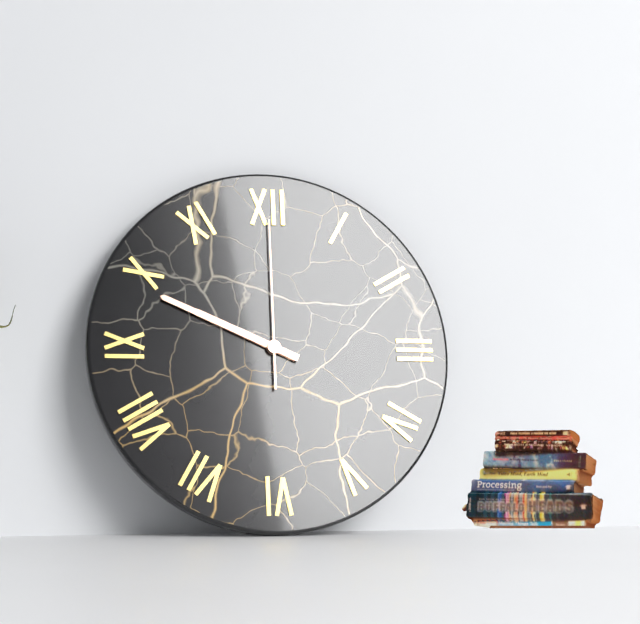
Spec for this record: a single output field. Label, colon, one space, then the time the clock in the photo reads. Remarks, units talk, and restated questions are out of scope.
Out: 9:49:00
